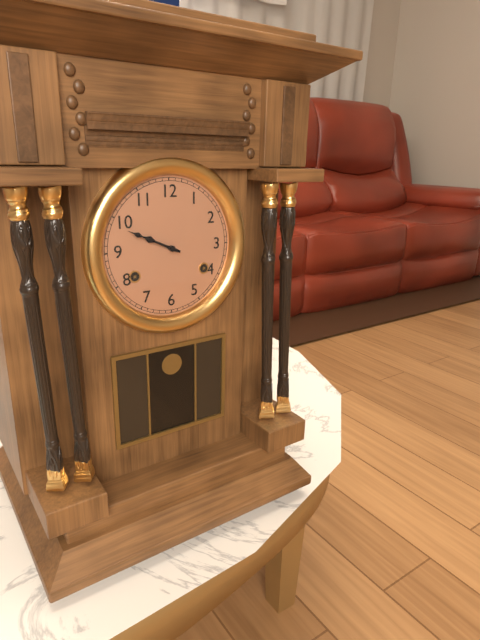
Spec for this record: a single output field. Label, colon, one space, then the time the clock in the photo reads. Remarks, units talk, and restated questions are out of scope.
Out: 9:49
